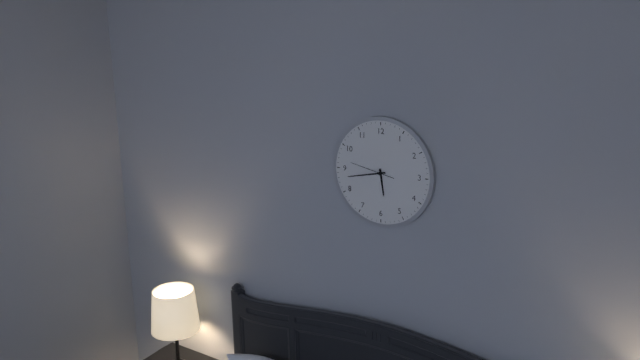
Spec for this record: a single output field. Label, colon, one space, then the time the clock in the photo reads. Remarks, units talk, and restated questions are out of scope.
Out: 5:43
